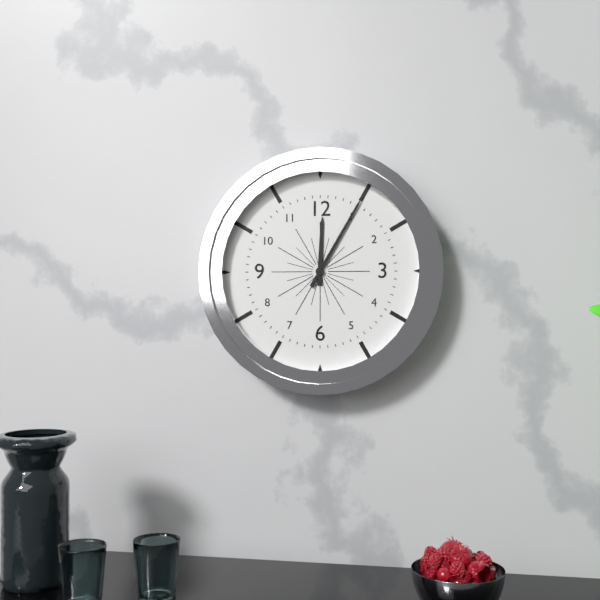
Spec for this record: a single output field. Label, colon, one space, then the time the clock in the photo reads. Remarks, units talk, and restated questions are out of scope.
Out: 12:05
